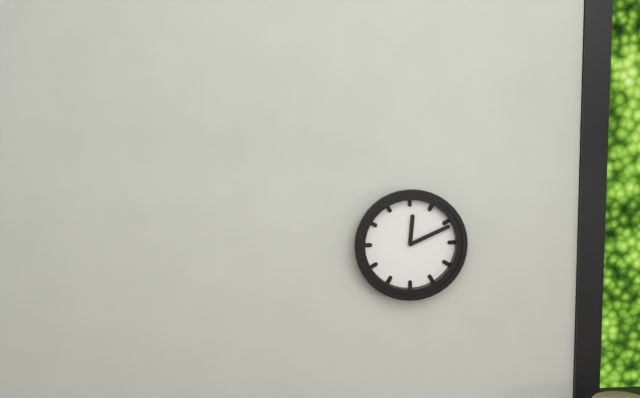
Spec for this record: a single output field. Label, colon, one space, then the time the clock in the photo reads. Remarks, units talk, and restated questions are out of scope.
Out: 12:11
